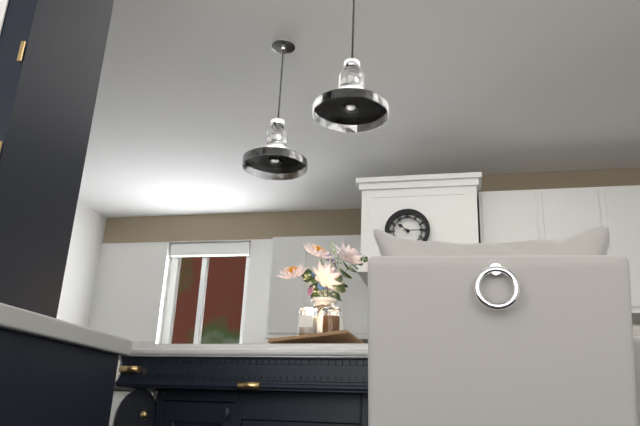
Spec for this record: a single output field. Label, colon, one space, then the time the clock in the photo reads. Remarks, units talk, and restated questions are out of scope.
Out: 10:15
